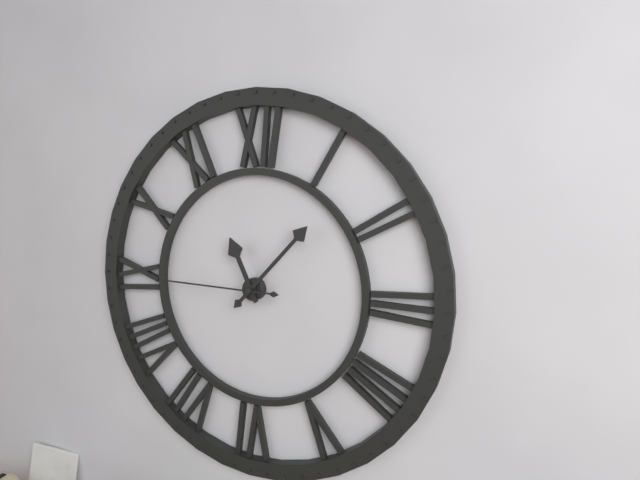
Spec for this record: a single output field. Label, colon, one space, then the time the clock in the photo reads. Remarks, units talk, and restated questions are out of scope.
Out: 11:07:45
